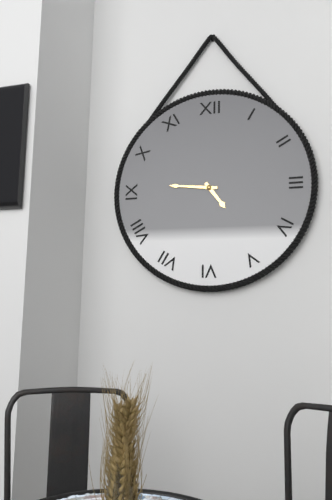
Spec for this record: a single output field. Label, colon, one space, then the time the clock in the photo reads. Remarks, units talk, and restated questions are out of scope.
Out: 4:46
